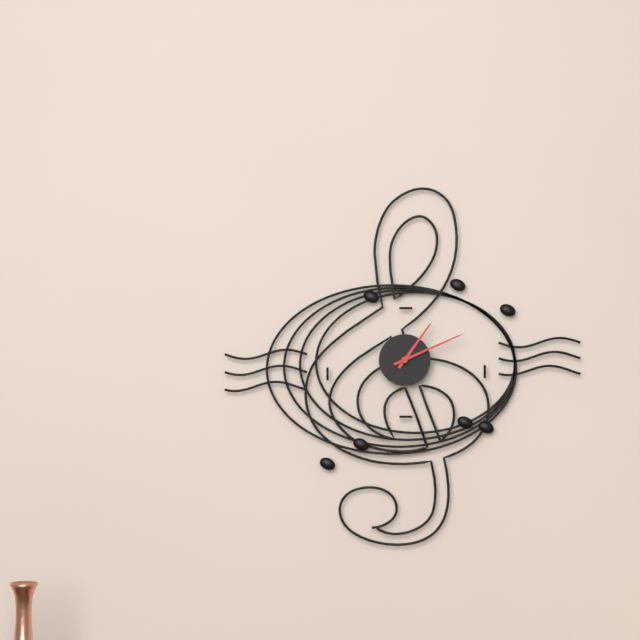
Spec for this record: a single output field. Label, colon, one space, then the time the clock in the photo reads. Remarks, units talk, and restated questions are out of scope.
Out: 1:11
